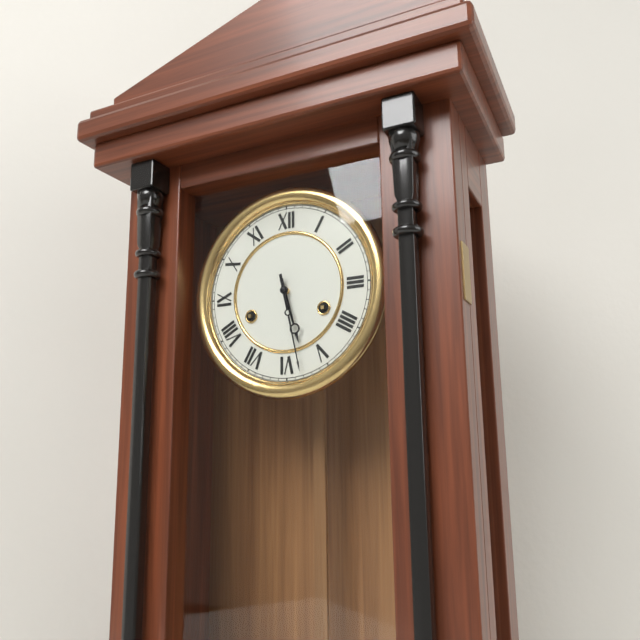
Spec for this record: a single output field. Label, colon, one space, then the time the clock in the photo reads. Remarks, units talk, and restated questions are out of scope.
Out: 5:28
